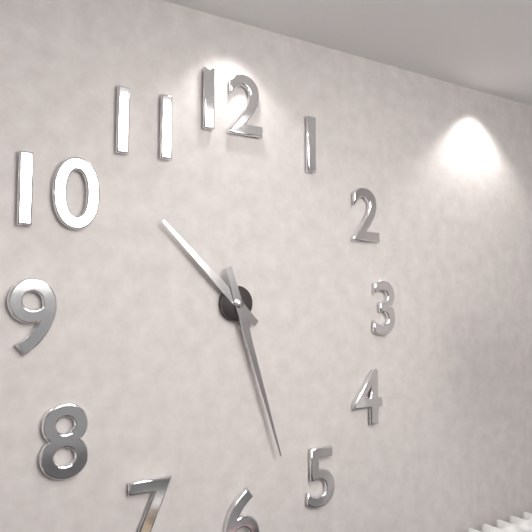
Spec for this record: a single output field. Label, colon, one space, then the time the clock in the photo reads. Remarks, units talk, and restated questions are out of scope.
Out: 10:27
